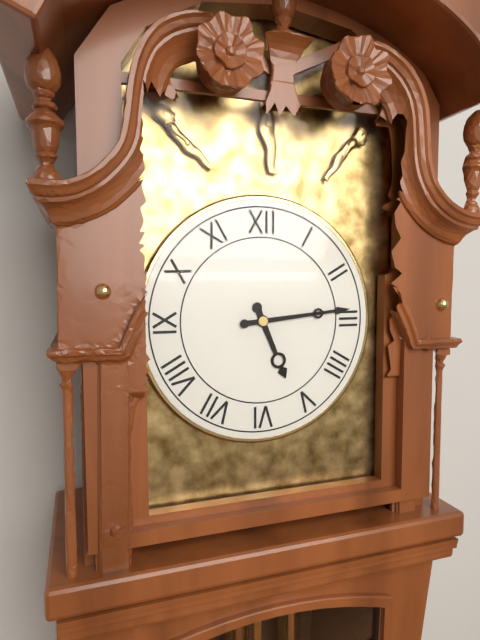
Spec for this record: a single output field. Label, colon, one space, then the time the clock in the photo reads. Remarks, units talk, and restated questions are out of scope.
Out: 5:14
